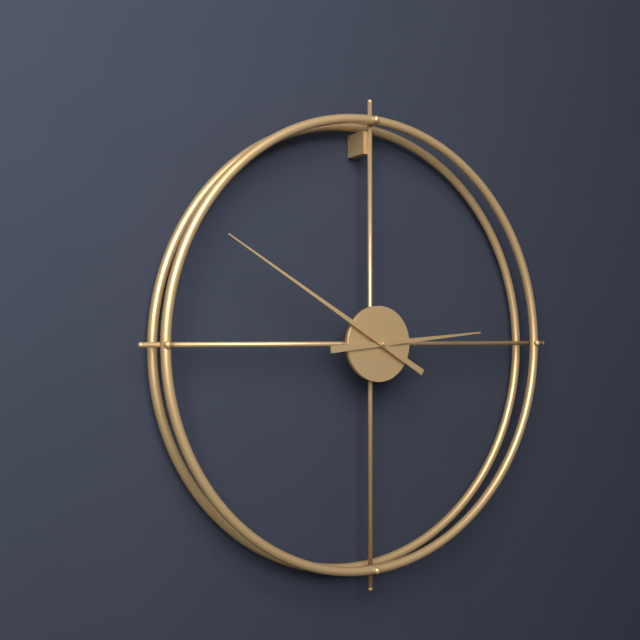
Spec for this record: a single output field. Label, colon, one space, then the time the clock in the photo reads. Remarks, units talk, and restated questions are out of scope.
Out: 2:50
